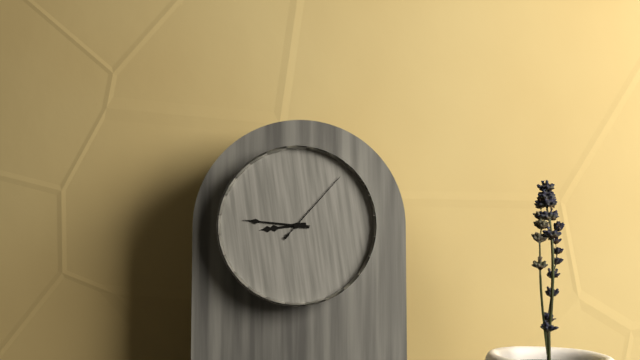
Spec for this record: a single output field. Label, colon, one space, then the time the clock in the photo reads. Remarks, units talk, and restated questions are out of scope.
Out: 8:46:07
